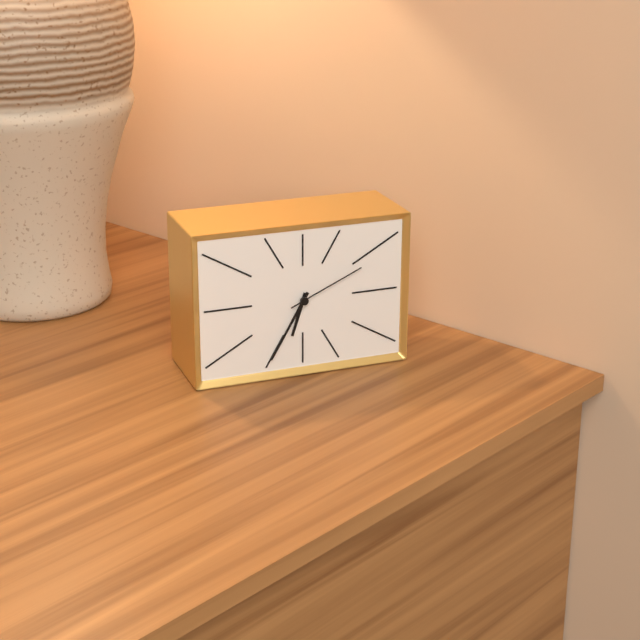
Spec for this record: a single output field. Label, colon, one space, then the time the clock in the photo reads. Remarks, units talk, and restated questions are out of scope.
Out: 6:35:11
